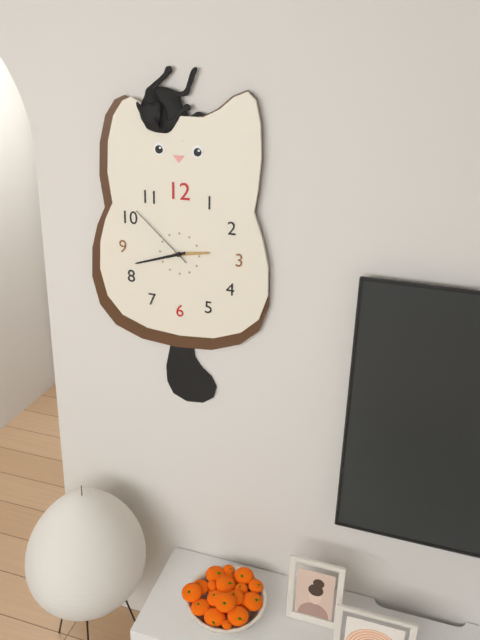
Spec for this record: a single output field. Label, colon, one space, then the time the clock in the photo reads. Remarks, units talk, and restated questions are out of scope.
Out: 2:42:52
